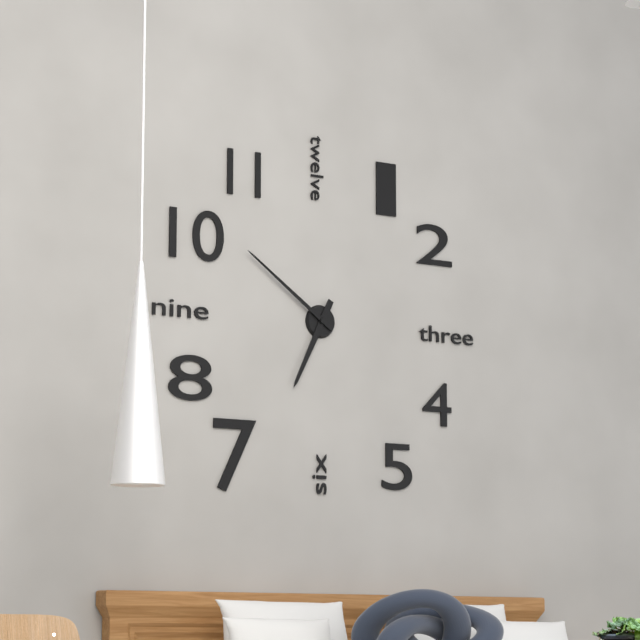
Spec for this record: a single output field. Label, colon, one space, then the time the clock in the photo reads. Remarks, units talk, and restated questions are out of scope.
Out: 6:51
